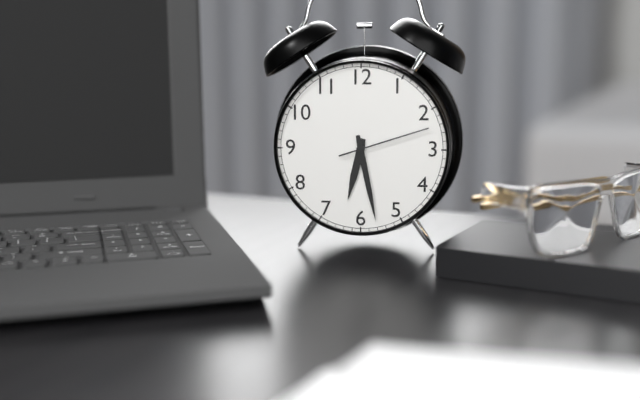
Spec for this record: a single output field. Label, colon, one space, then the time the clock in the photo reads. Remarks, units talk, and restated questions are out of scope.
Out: 6:28:12
